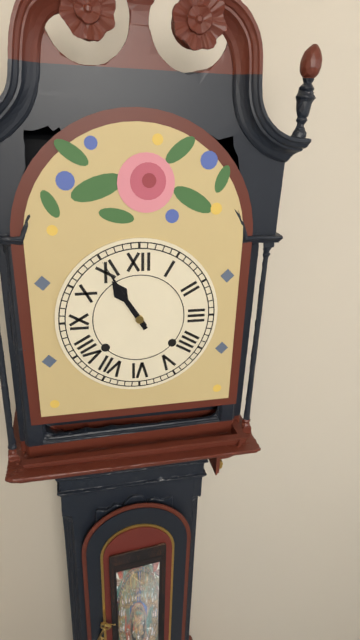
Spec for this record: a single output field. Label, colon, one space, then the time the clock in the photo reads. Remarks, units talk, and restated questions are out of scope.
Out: 10:55
